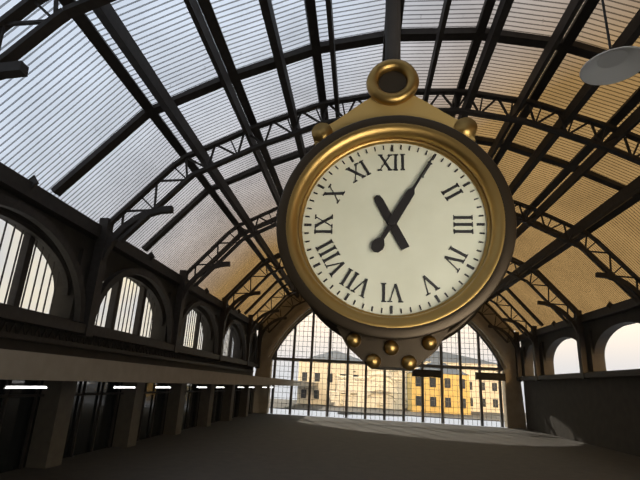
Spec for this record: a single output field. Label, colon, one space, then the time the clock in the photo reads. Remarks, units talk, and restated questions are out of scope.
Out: 11:05
